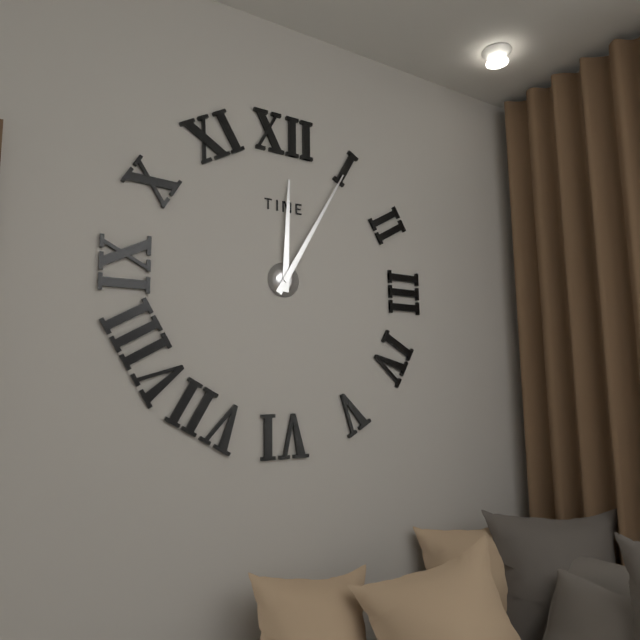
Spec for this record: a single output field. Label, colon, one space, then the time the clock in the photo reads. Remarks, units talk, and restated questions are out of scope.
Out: 12:05
